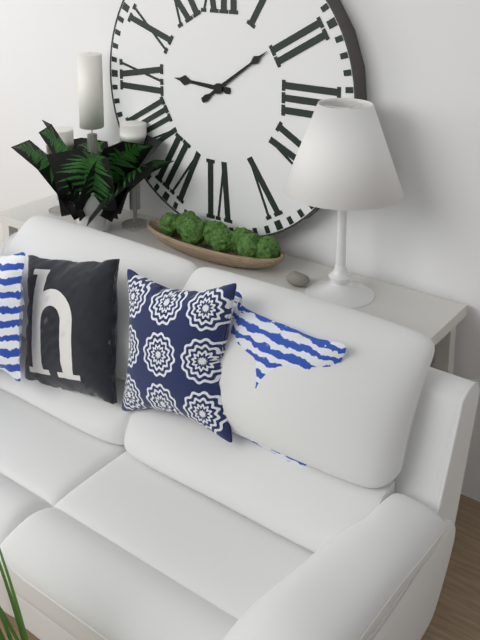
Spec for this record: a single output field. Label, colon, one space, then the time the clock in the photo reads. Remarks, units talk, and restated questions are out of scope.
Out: 9:09
